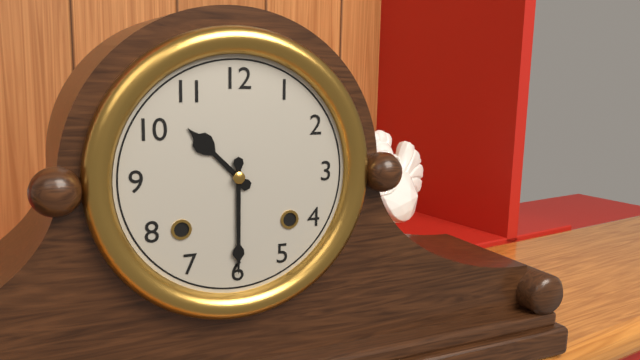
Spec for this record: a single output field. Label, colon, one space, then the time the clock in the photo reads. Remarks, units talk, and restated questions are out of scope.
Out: 10:30
